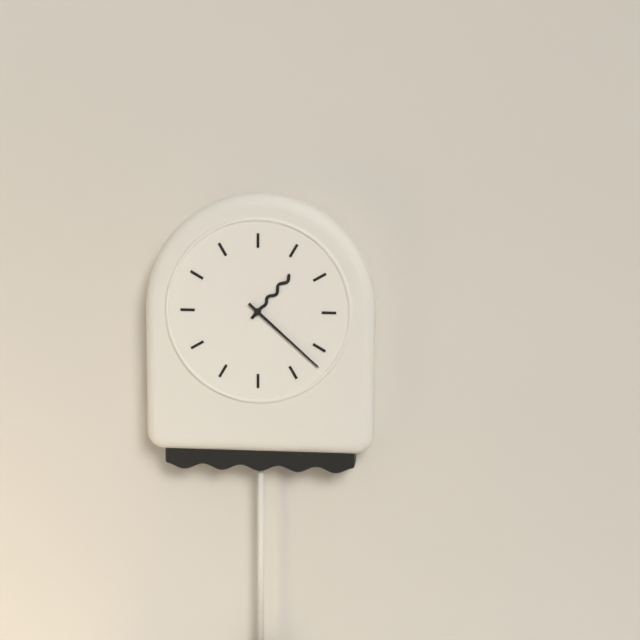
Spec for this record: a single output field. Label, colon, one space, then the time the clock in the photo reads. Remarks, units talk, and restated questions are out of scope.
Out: 1:22
